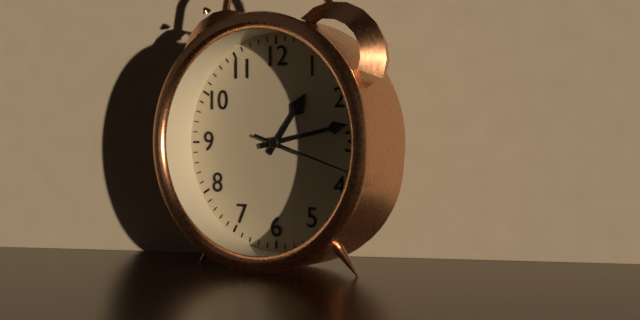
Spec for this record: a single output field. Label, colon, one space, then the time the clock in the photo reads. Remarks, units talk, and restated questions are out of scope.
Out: 1:13:18
